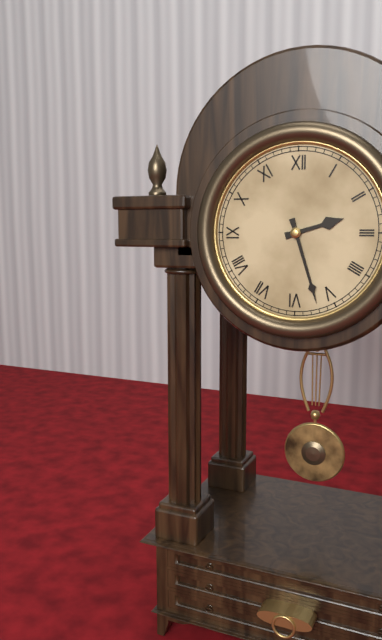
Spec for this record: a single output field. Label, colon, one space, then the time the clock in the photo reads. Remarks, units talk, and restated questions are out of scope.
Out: 2:27
